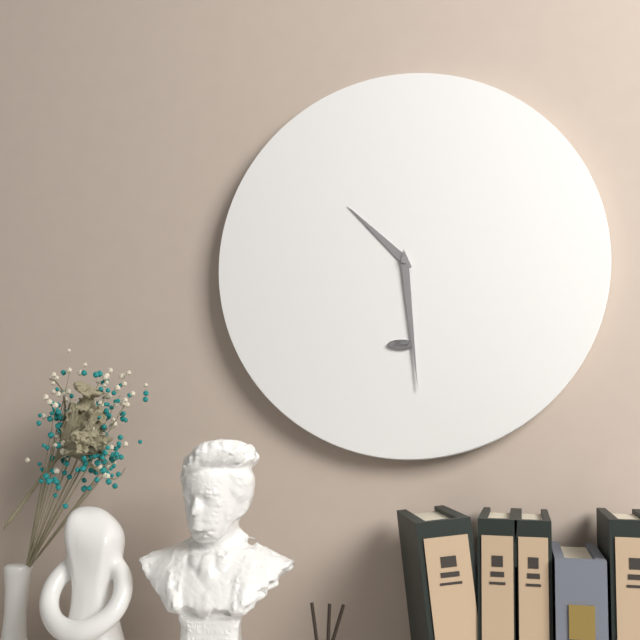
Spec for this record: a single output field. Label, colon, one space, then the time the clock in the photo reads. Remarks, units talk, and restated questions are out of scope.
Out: 10:29
